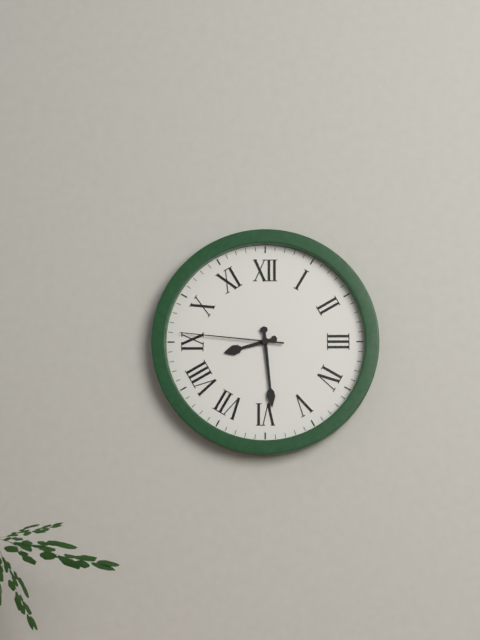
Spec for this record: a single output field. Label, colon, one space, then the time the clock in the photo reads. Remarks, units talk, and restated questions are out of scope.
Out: 8:29:46
